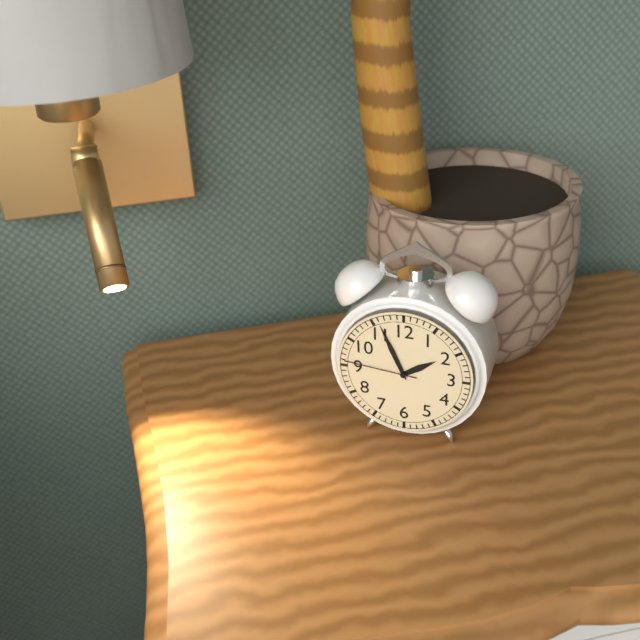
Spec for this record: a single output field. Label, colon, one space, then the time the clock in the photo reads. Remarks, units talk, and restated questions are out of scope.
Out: 1:56:46
